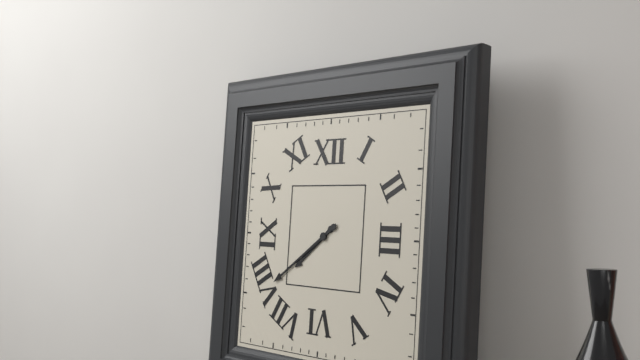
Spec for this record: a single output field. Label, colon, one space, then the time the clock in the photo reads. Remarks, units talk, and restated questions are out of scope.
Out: 7:39
